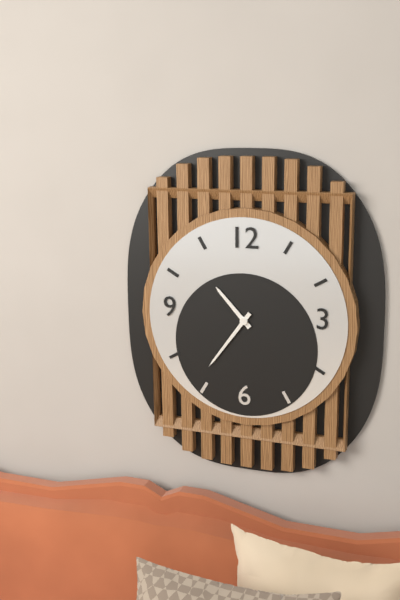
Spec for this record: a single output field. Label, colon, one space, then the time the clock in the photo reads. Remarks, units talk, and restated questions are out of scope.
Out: 10:36
